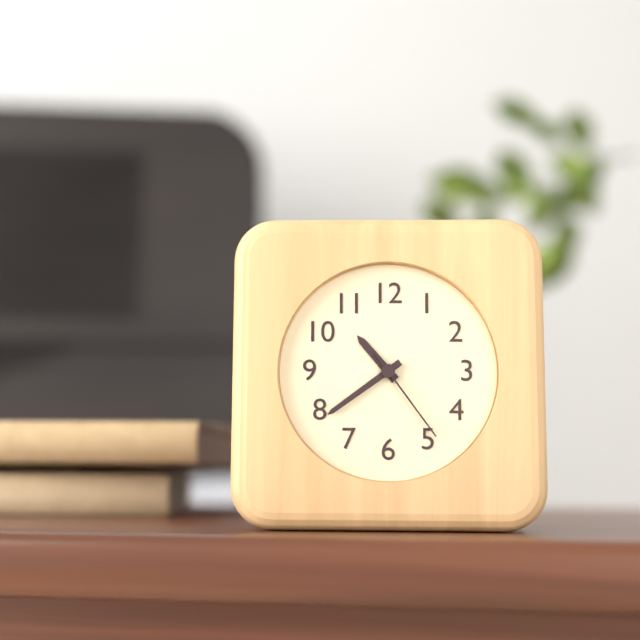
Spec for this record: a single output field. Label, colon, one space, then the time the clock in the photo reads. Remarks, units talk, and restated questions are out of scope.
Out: 10:39:24
